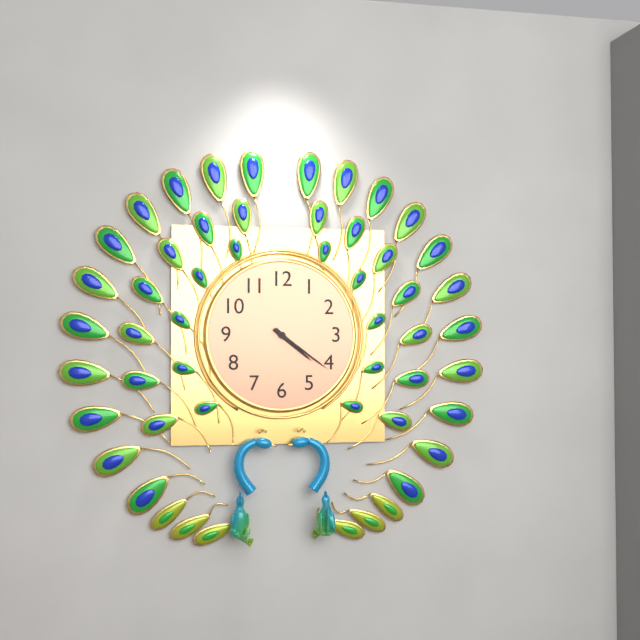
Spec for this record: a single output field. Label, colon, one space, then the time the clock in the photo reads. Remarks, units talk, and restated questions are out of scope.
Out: 4:21
